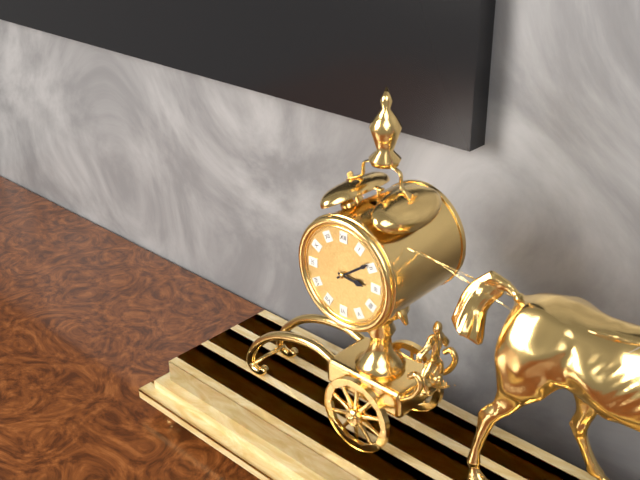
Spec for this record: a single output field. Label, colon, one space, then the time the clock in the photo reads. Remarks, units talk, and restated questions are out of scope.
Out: 3:09
